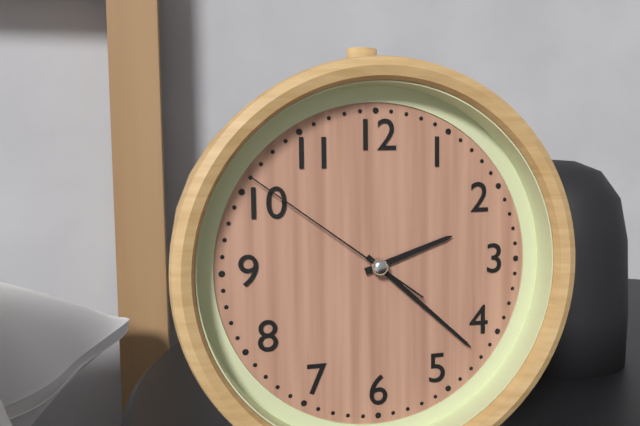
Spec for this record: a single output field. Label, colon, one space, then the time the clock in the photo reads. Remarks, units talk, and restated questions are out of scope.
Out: 2:22:51
